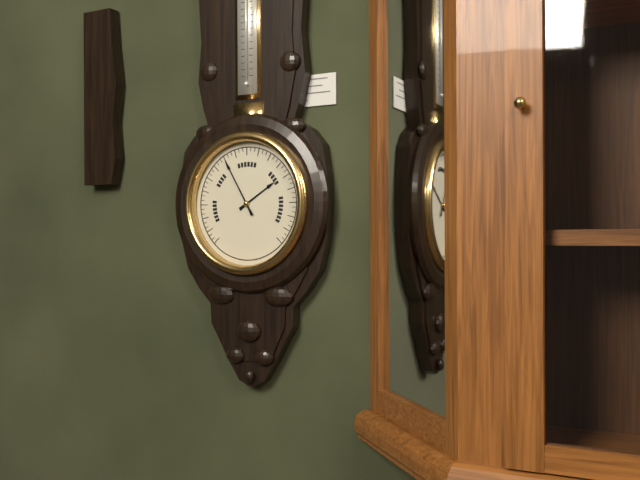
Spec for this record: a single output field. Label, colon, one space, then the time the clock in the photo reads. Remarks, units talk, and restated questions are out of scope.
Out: 1:55
